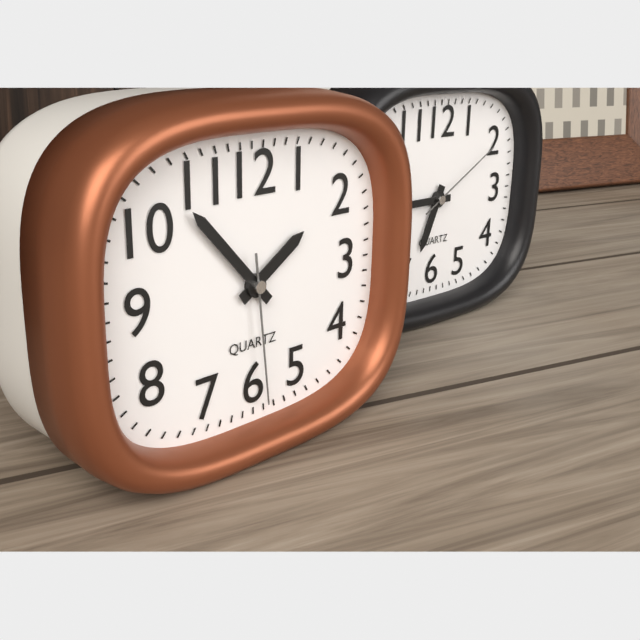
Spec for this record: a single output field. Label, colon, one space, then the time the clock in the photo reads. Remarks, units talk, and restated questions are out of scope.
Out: 1:53:29
